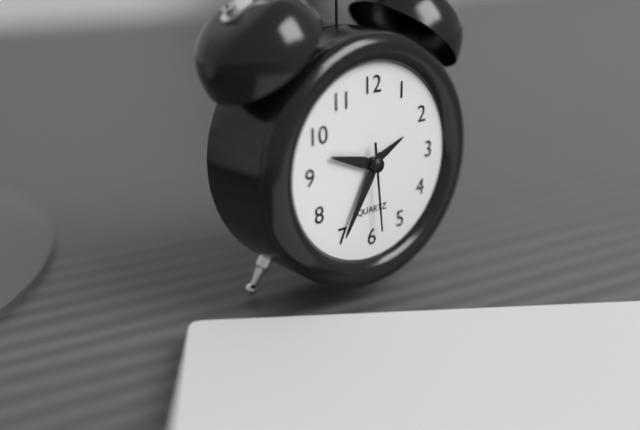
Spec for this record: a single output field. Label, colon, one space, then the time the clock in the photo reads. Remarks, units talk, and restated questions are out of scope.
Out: 9:35:29
